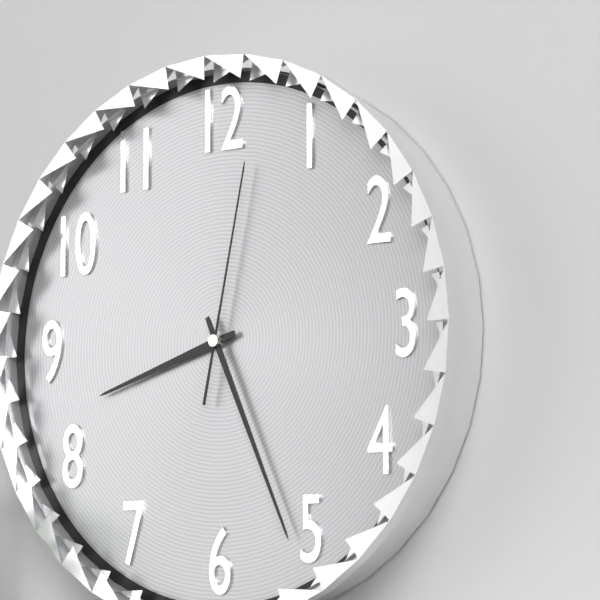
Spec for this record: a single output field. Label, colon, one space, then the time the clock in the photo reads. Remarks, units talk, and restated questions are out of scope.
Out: 8:26:02
